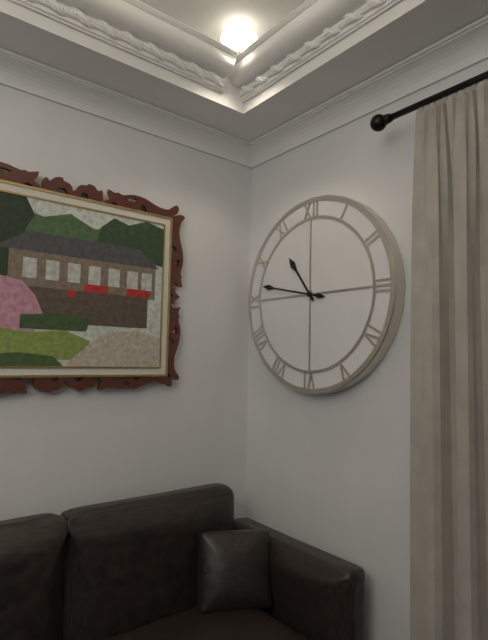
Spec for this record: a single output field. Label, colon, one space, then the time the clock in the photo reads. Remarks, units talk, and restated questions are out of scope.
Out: 10:47
